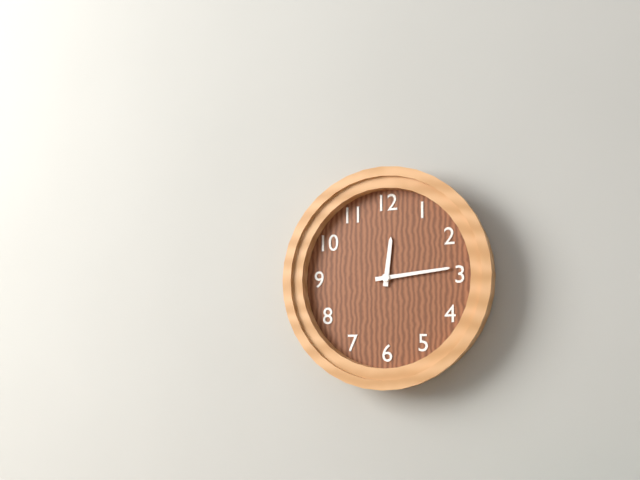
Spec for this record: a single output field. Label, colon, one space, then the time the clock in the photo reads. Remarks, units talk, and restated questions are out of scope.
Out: 12:14
